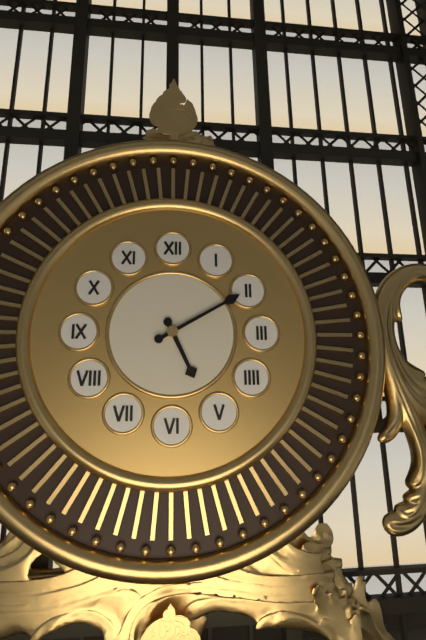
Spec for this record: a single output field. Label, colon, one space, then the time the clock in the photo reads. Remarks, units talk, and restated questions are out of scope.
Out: 5:10
